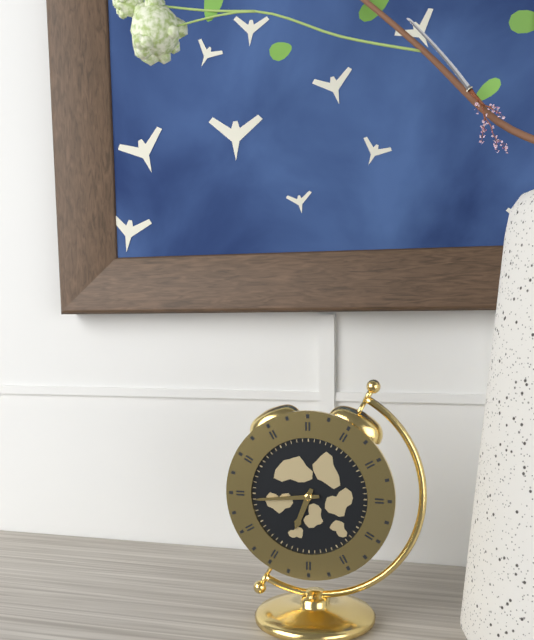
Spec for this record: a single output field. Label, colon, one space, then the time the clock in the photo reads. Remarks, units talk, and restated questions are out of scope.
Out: 6:44
